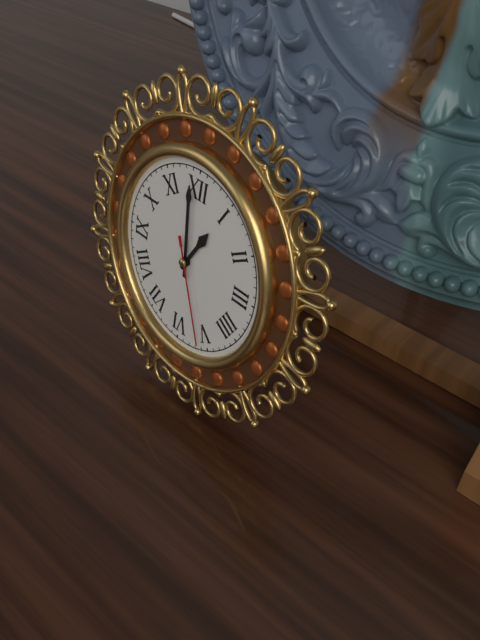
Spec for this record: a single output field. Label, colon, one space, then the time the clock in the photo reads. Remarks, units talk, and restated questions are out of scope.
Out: 12:59:26
